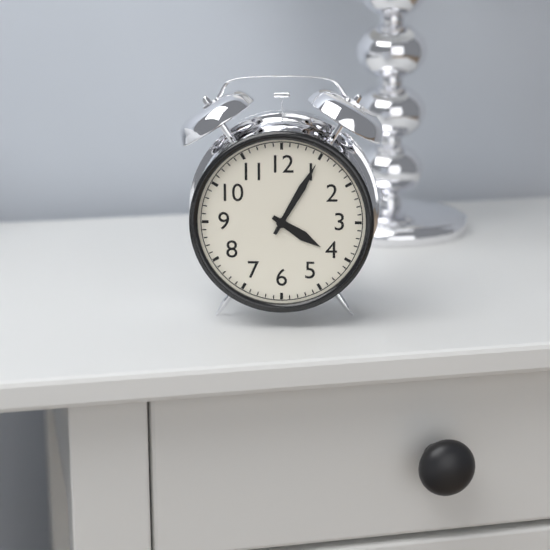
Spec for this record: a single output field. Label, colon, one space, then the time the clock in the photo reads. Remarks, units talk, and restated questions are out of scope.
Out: 4:05
